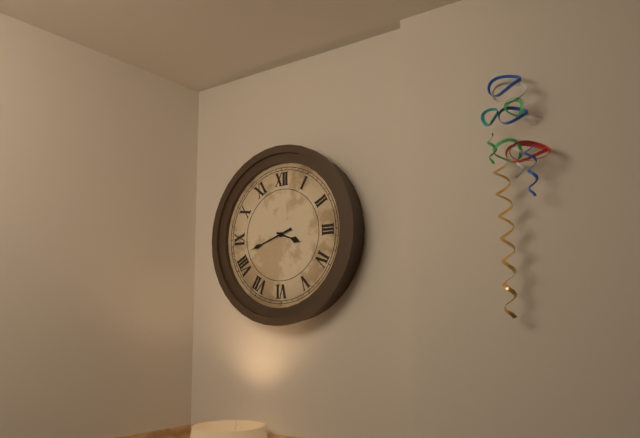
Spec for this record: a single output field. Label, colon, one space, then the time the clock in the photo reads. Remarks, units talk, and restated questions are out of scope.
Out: 3:42
